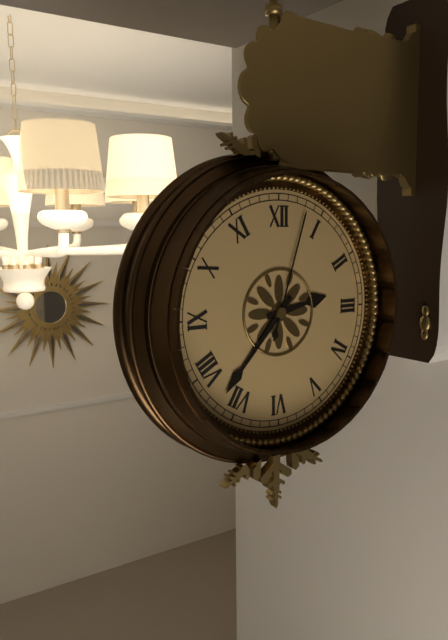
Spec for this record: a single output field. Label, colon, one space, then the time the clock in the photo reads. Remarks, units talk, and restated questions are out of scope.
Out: 2:37:03
